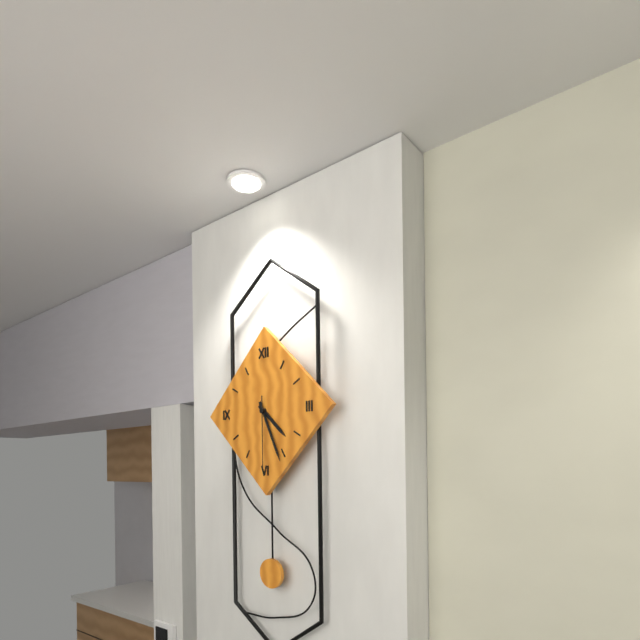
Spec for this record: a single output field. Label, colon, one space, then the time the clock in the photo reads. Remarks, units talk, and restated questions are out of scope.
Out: 4:26:30
